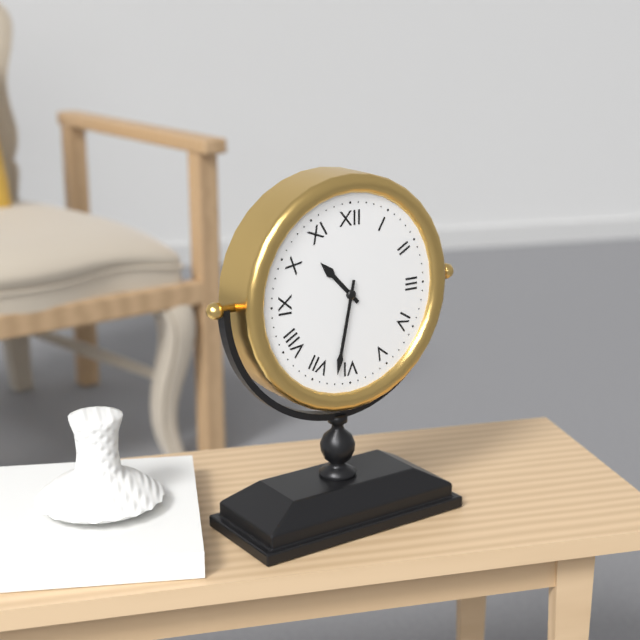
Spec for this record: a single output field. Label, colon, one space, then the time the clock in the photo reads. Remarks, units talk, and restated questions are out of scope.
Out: 10:32
